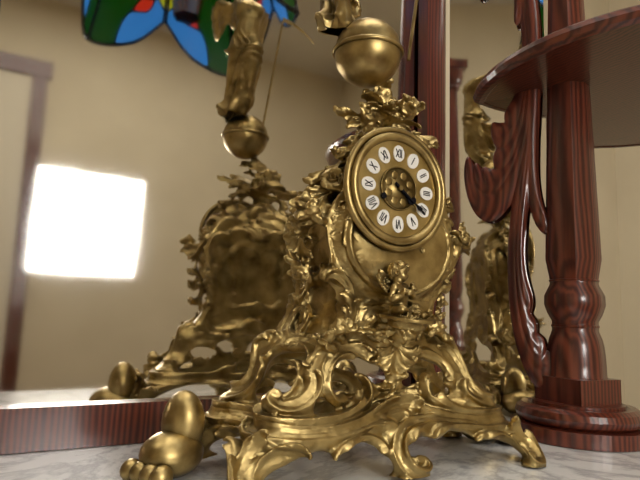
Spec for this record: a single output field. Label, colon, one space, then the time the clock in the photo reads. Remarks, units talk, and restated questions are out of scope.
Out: 4:21
